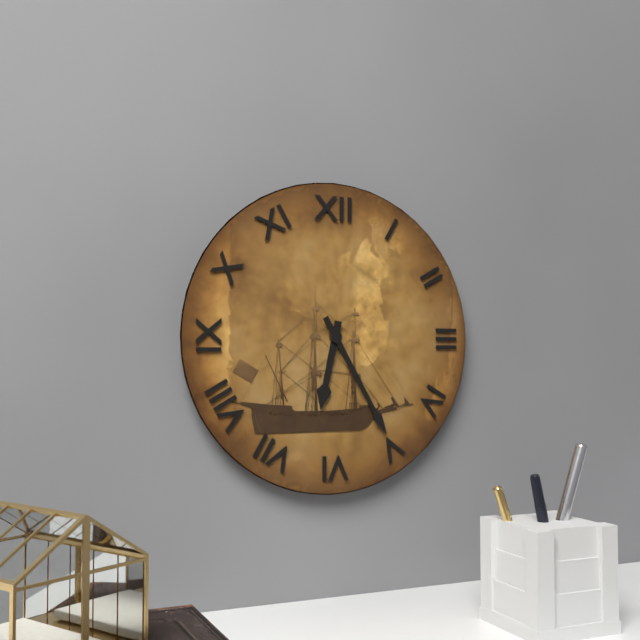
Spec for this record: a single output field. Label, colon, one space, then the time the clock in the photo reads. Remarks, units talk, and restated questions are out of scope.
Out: 6:25
